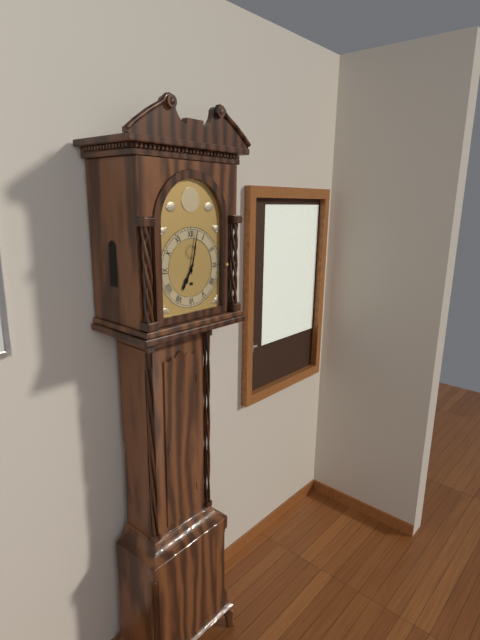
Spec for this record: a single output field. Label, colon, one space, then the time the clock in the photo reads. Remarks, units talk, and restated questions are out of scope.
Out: 7:02
